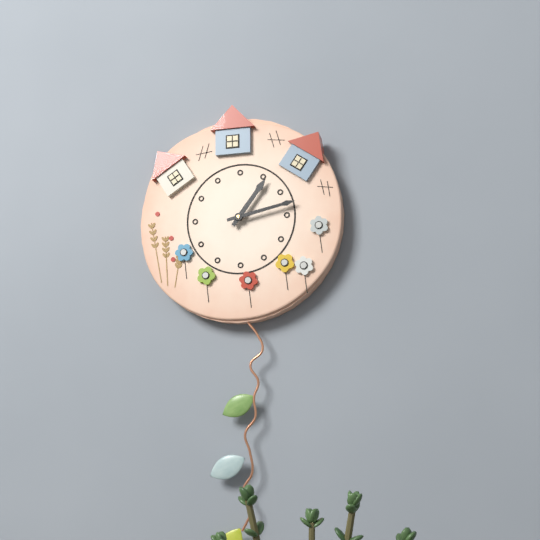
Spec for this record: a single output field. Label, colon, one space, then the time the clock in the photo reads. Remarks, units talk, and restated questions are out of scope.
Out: 1:13
